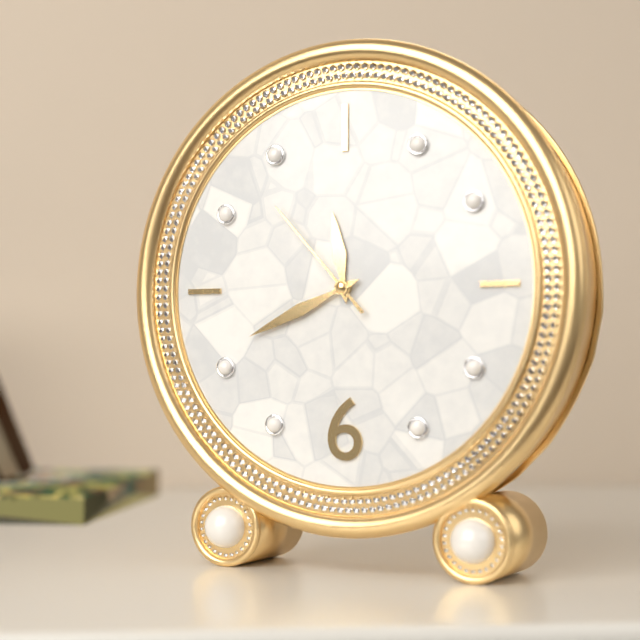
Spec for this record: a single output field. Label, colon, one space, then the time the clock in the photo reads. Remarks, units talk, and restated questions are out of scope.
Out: 11:41:53
